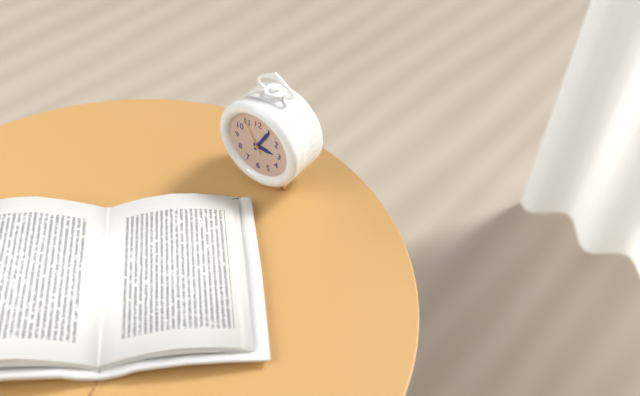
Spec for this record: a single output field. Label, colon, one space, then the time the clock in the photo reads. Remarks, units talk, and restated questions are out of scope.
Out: 3:05
